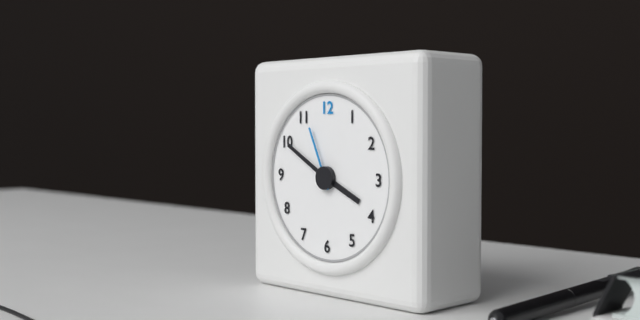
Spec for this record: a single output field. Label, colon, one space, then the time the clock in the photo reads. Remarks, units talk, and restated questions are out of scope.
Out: 3:50:56
